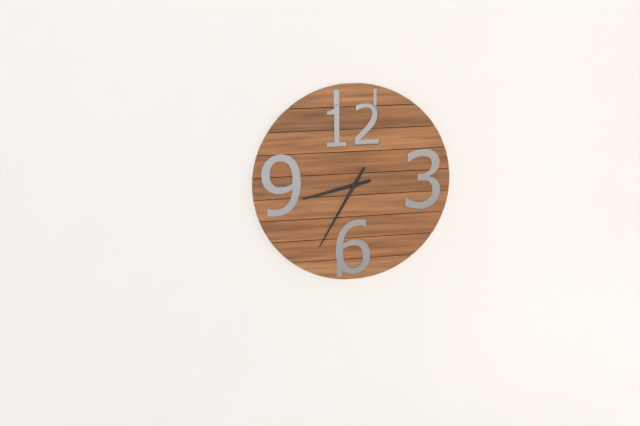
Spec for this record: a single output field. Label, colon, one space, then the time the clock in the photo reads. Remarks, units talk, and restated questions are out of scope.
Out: 8:35
